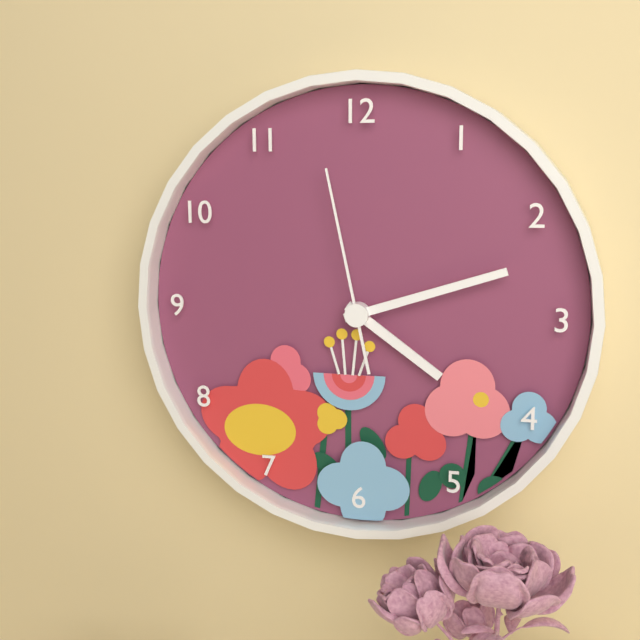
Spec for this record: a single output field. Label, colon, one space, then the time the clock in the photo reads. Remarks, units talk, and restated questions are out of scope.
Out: 4:12:58
